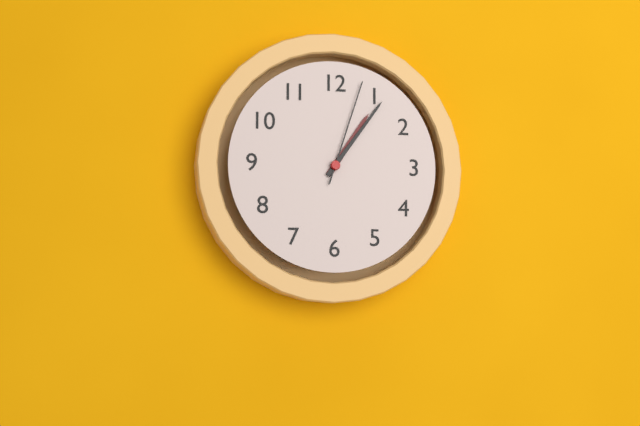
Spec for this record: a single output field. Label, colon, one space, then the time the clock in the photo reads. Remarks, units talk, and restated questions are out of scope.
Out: 1:06:03
